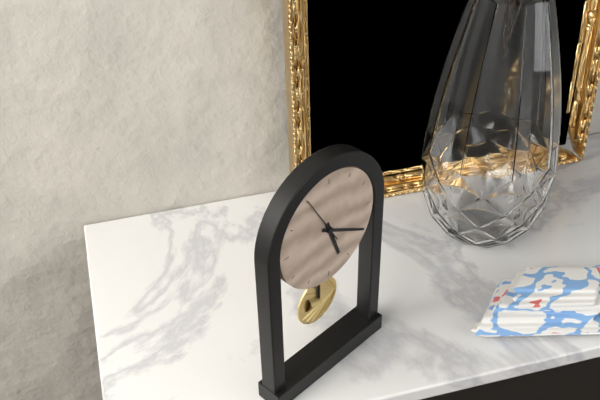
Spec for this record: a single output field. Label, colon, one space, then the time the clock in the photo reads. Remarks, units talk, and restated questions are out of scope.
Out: 5:20
